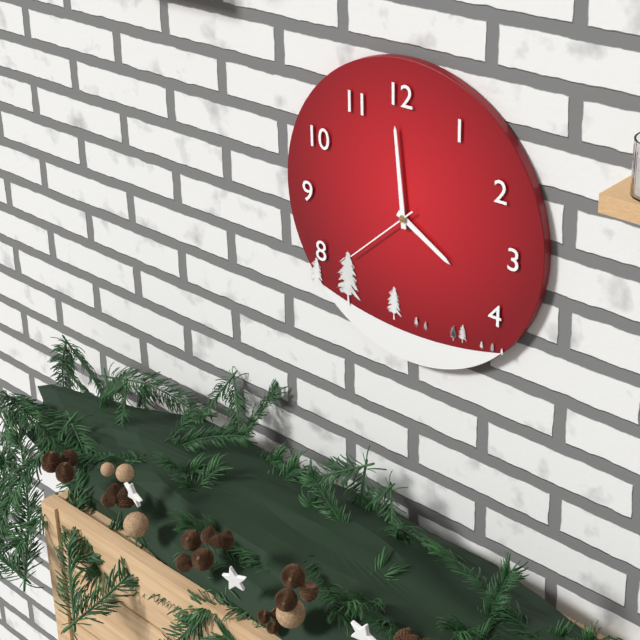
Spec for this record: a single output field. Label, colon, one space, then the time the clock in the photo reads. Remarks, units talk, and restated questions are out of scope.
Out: 3:59:38
